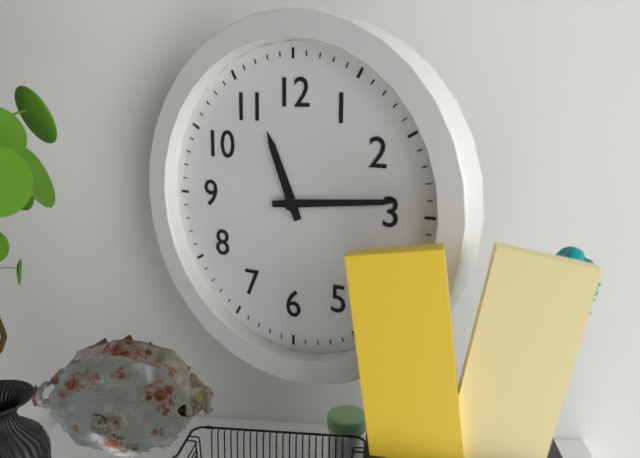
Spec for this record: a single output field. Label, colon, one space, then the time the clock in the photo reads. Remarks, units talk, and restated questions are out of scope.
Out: 11:14
